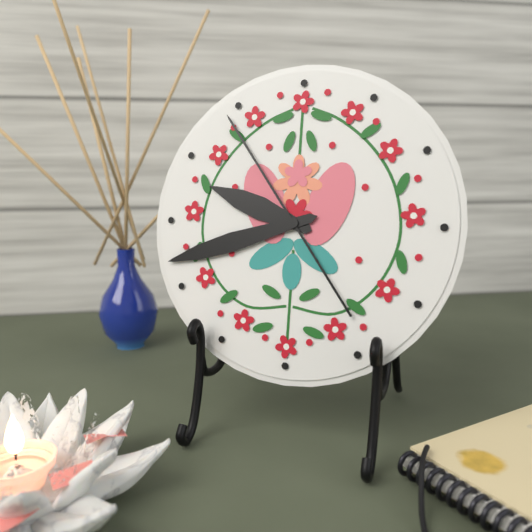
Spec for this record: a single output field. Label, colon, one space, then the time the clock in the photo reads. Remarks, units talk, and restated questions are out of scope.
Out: 9:42:54
